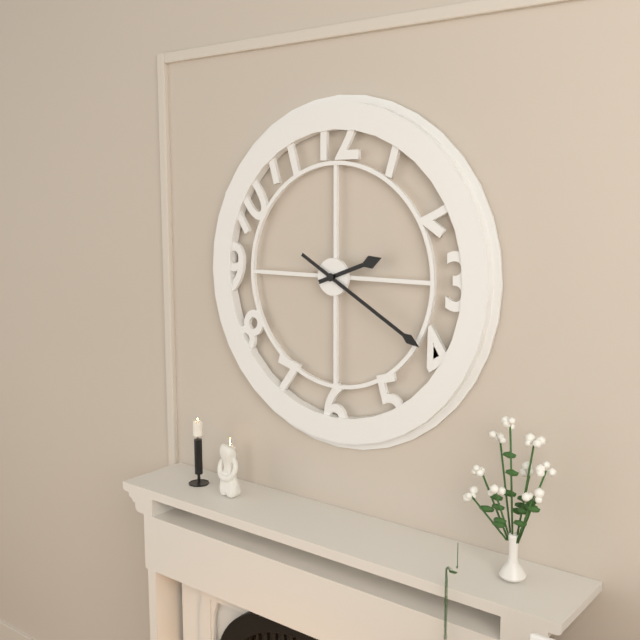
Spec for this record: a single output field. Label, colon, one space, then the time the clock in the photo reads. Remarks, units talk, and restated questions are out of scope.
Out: 2:20
